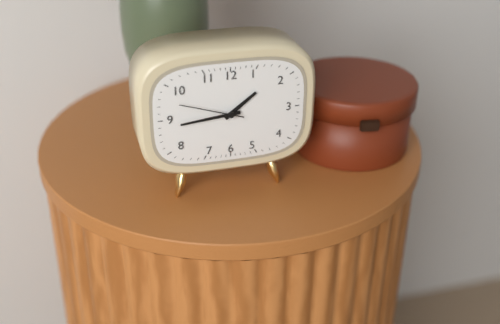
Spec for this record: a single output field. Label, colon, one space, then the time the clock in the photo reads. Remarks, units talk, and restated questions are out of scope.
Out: 1:44:48
